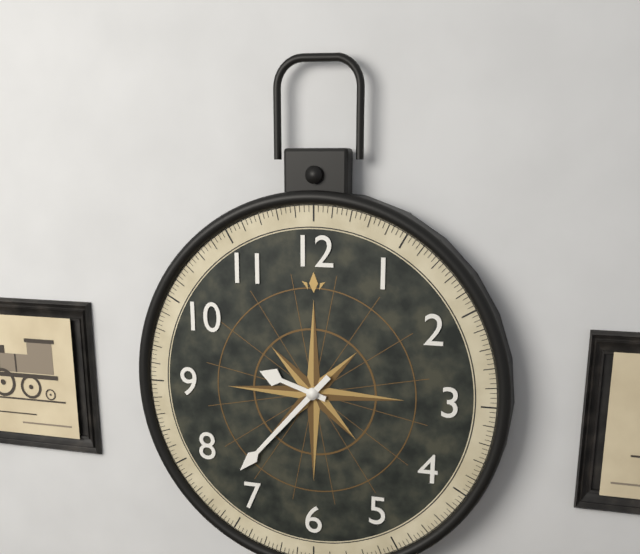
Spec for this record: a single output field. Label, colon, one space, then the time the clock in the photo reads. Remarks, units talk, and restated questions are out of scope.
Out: 9:37
